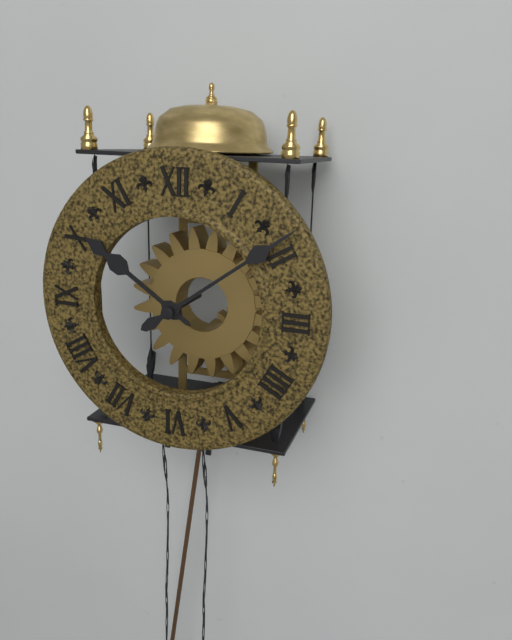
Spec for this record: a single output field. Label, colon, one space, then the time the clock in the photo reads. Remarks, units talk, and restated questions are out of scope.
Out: 10:09
